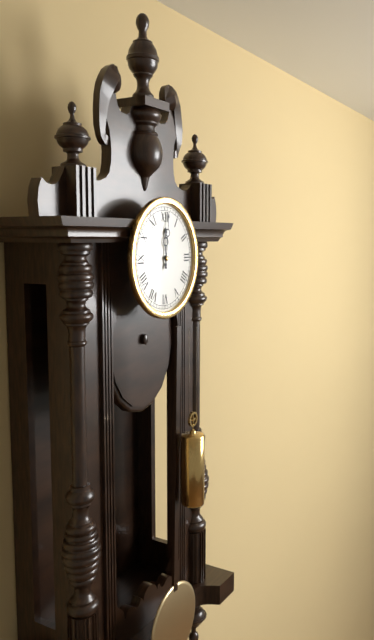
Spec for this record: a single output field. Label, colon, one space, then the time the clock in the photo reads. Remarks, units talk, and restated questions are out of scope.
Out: 12:01
